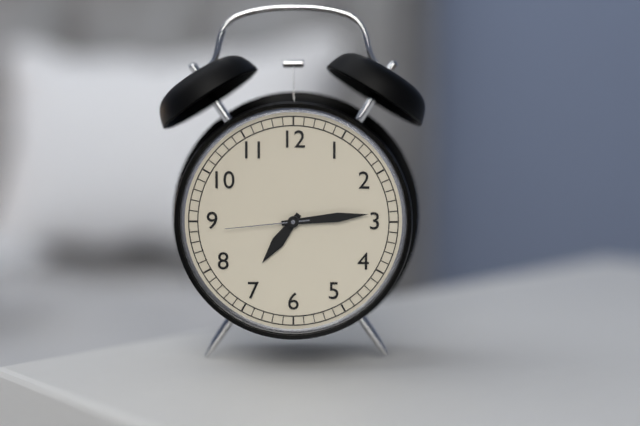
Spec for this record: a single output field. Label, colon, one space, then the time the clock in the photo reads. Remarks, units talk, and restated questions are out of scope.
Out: 7:14:44
